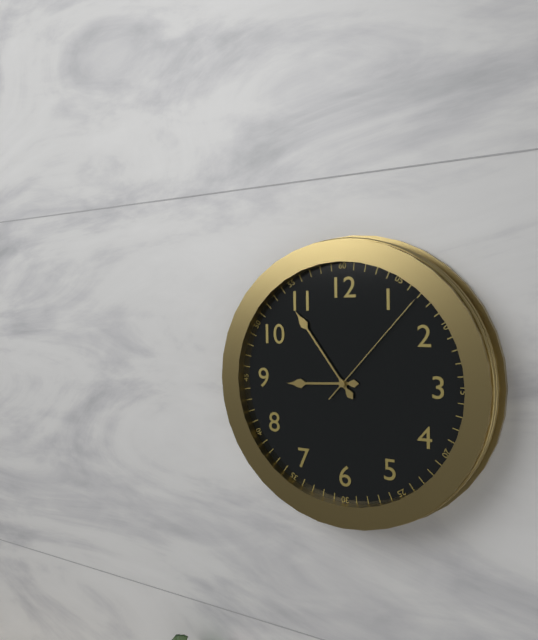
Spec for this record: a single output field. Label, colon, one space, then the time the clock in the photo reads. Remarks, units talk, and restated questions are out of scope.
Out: 8:54:07
